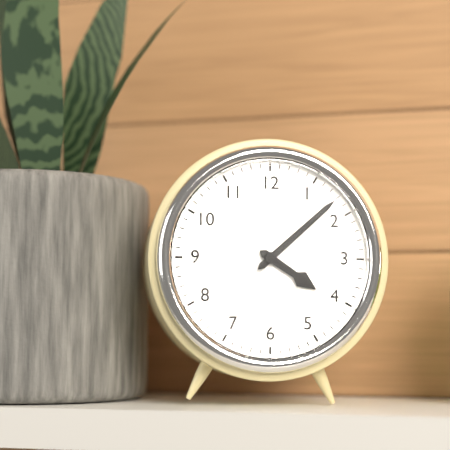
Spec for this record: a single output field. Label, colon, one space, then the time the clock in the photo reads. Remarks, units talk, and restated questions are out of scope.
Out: 4:08
